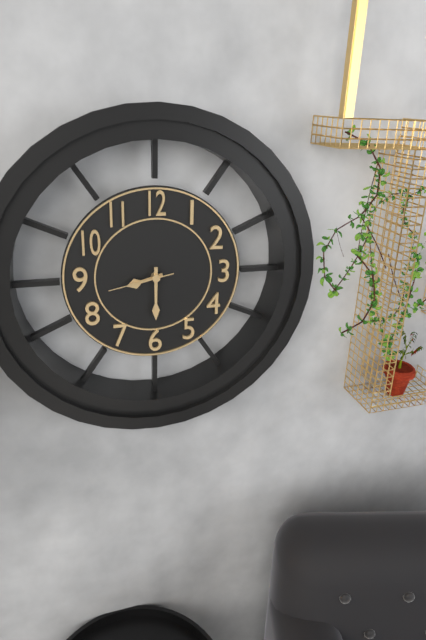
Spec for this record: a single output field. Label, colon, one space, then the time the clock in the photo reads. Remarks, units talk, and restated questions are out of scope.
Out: 8:30:43
